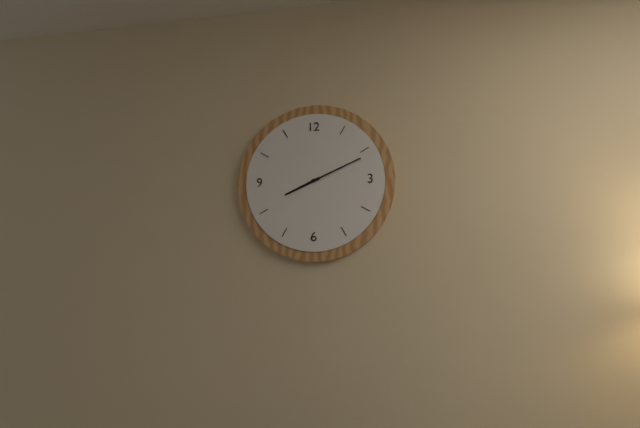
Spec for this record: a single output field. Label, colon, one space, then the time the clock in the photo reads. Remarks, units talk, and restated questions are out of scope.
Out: 8:11
